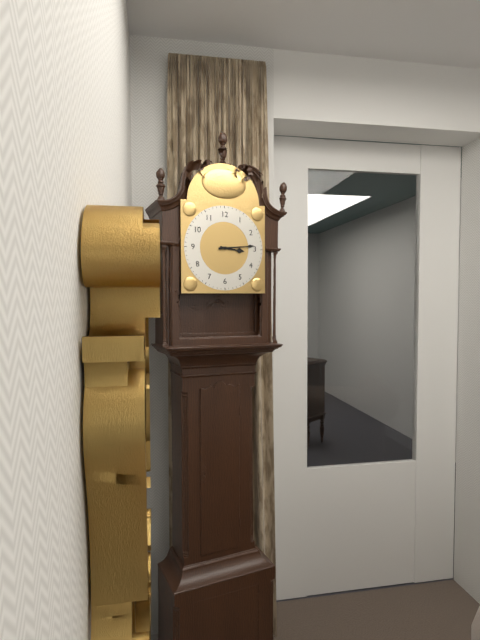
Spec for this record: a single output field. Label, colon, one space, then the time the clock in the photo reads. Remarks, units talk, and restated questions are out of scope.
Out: 3:14
